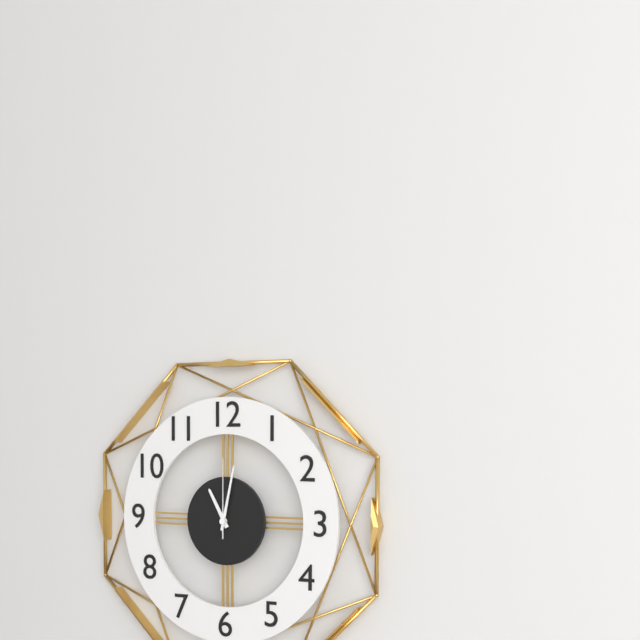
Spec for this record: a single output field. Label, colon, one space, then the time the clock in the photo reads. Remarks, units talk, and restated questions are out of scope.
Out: 11:02:00
